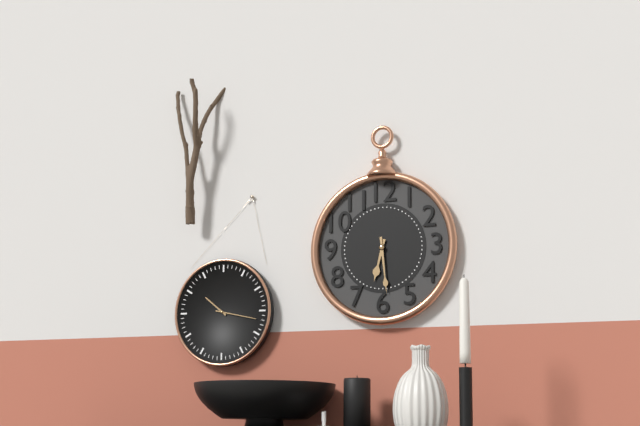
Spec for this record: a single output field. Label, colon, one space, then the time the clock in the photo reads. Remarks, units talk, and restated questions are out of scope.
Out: 6:29
